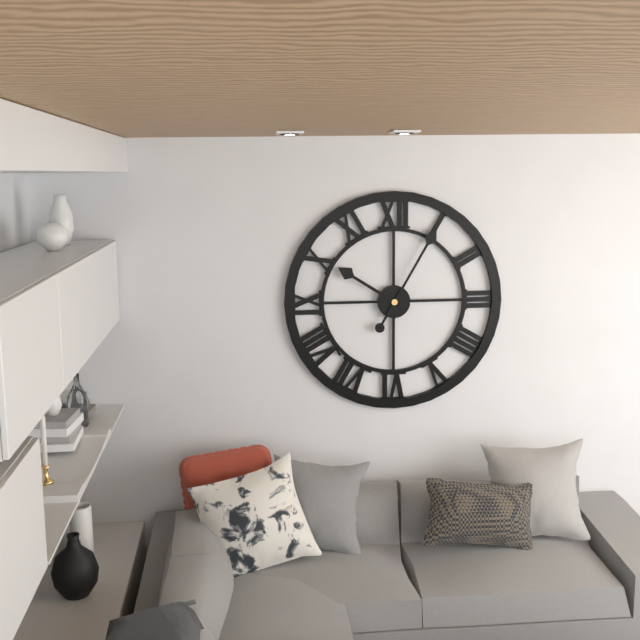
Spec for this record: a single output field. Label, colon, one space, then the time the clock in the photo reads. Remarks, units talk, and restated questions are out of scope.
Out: 10:05
